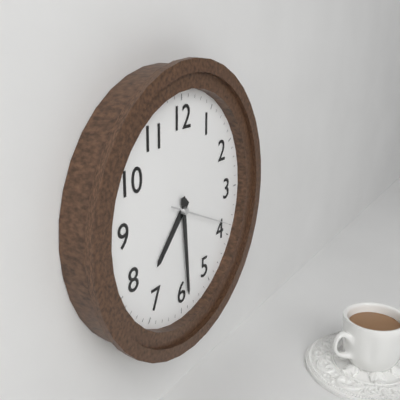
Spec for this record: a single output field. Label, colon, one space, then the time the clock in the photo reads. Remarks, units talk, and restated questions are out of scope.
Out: 7:29:19
